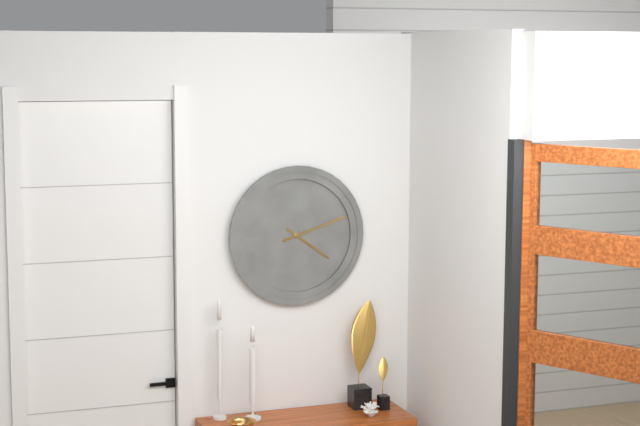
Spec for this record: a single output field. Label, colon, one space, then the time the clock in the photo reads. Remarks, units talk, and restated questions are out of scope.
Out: 4:12
